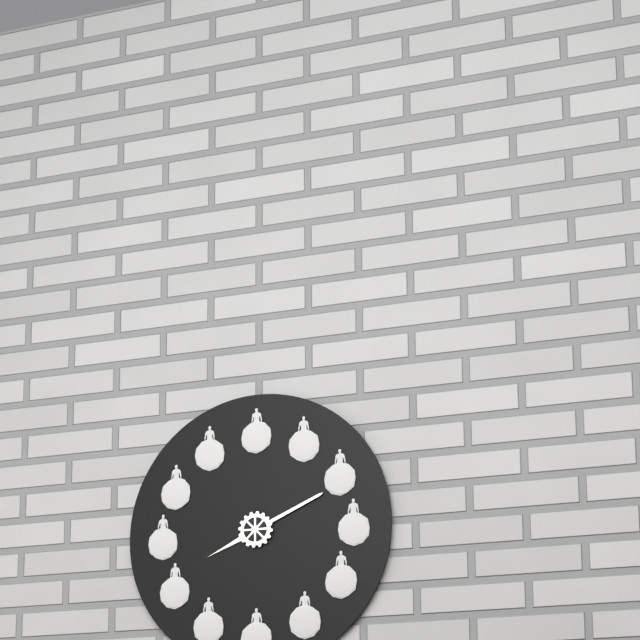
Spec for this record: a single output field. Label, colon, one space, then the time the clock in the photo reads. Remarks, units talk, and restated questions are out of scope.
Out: 8:11
